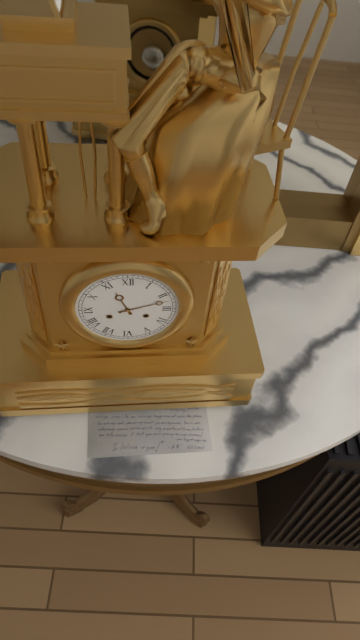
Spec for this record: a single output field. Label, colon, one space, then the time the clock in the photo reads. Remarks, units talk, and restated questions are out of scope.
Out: 11:12
